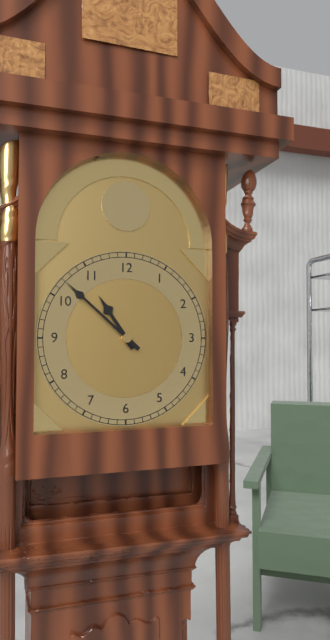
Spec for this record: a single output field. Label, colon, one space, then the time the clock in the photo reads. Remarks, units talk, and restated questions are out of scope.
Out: 10:52
